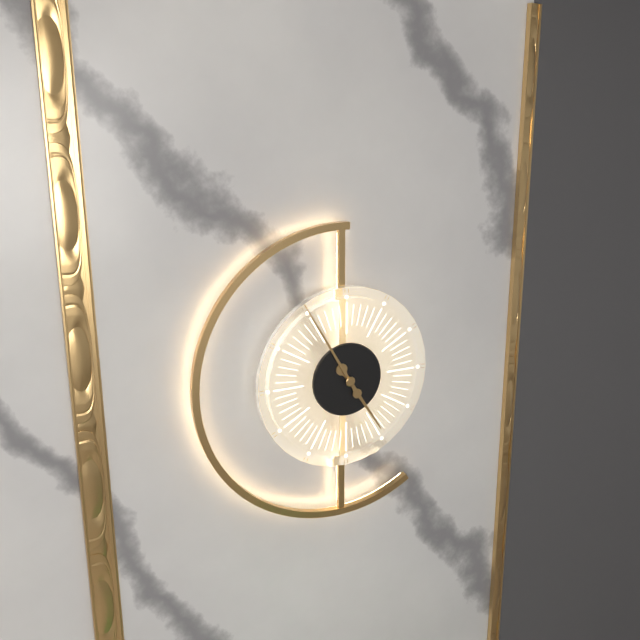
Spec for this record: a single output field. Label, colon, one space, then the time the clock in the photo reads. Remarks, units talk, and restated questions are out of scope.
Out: 4:55
